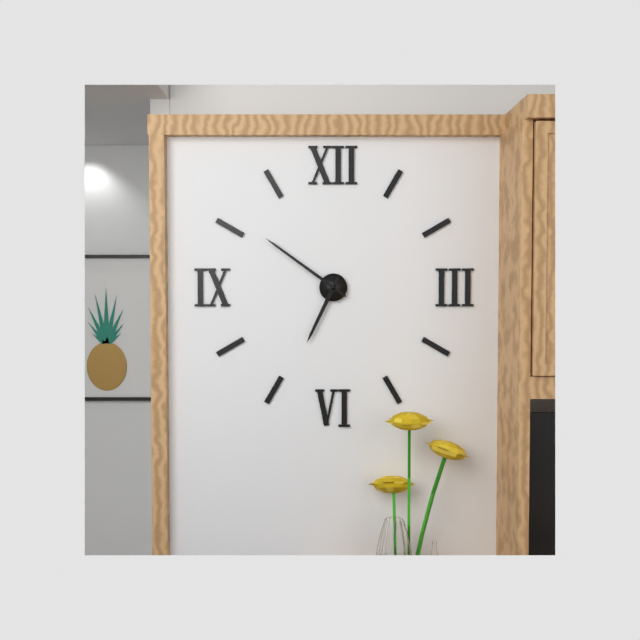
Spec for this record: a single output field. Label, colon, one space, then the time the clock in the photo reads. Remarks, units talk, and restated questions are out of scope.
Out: 6:51
